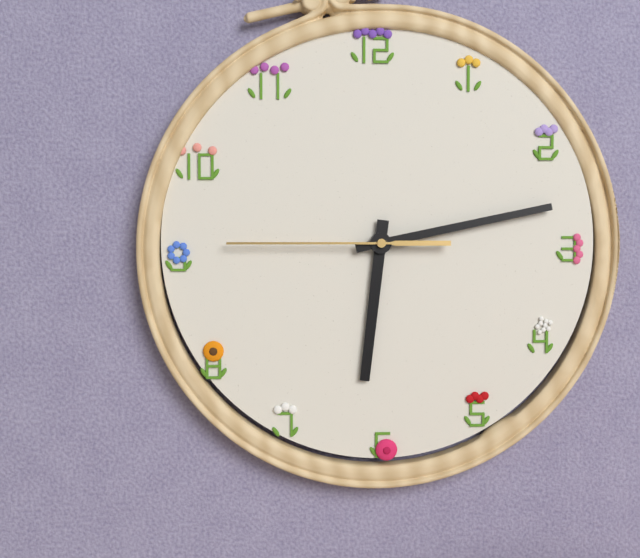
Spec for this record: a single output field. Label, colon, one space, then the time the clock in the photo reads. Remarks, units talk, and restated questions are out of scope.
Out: 6:13:45
